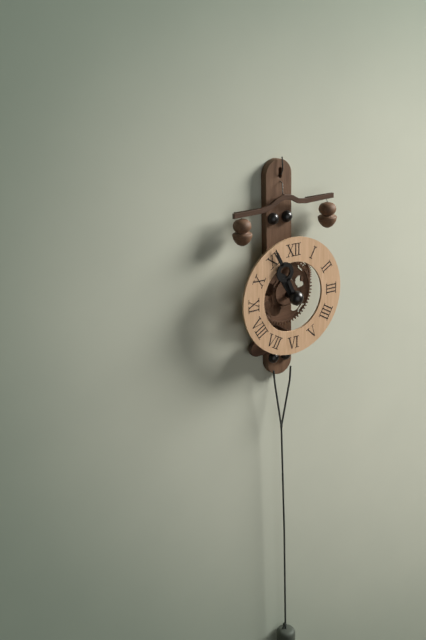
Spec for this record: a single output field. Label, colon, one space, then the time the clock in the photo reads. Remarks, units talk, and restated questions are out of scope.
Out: 10:56
